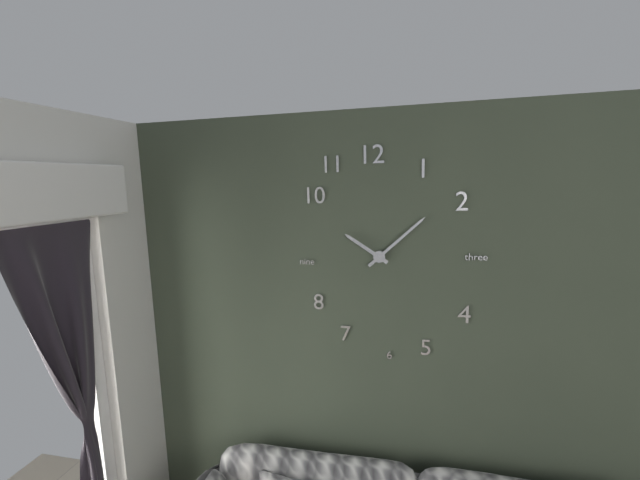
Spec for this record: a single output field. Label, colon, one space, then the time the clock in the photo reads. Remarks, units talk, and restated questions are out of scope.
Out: 10:08
